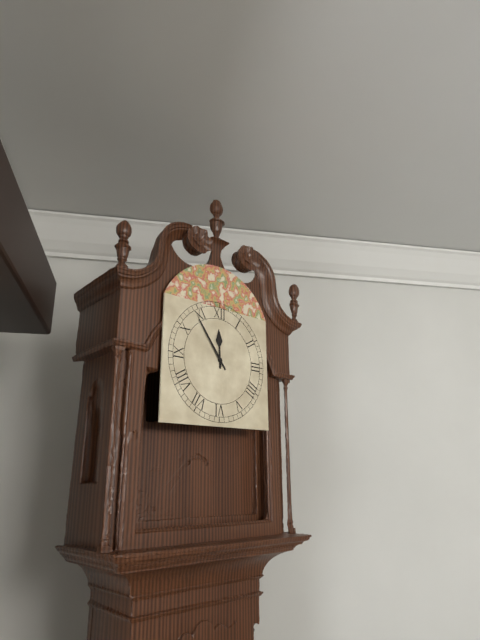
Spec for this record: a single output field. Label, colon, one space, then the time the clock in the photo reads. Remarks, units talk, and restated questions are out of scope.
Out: 11:54
